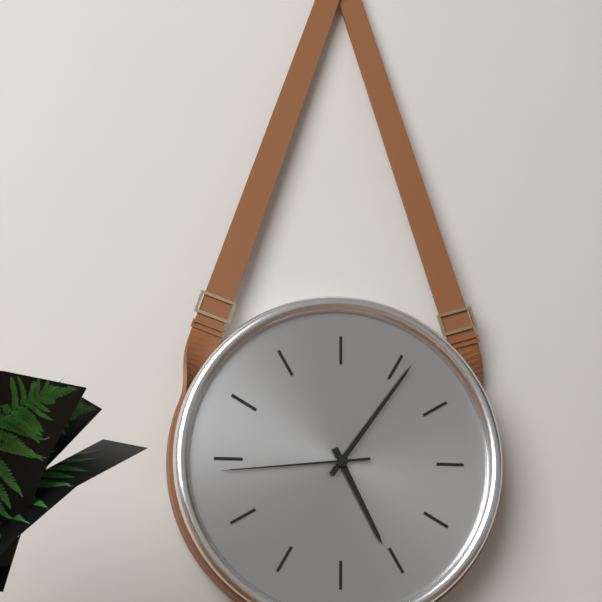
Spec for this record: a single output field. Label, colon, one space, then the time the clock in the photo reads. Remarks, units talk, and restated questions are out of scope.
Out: 5:06:44
